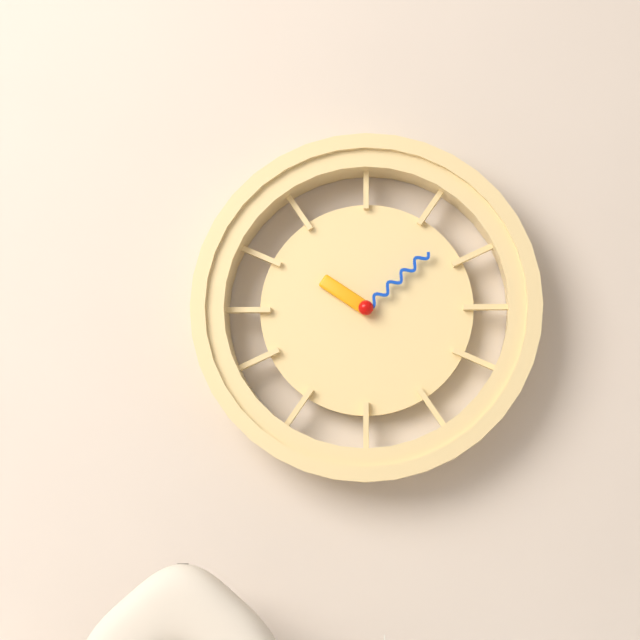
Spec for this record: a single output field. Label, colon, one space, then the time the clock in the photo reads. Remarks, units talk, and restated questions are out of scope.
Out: 10:08
